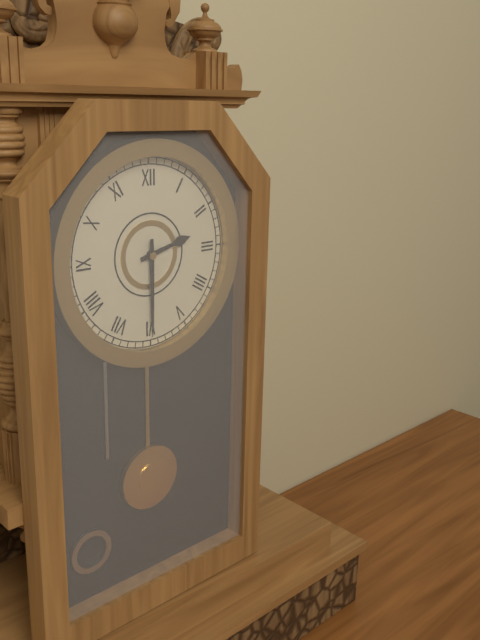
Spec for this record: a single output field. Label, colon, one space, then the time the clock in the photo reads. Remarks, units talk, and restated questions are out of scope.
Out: 2:30
